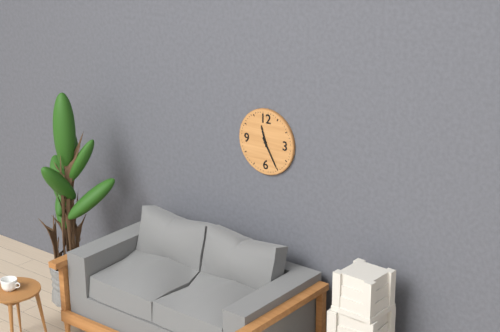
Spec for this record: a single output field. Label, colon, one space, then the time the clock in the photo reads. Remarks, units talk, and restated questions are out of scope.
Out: 11:25
